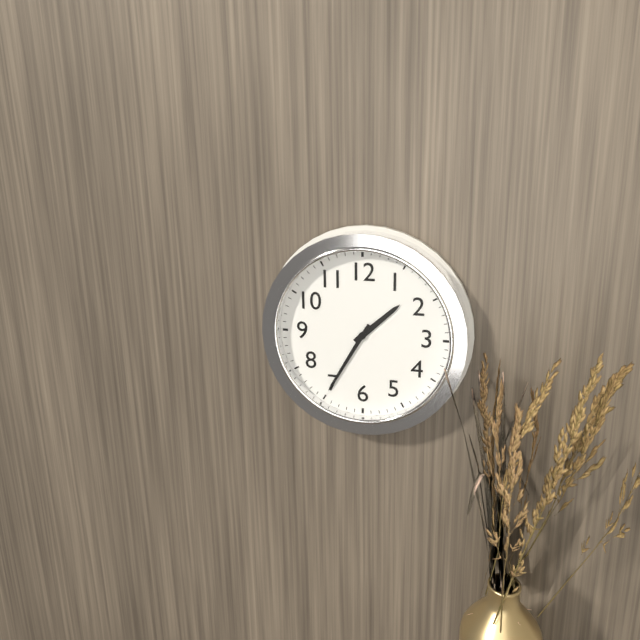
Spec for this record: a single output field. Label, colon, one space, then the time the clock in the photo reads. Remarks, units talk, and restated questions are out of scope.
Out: 1:35
